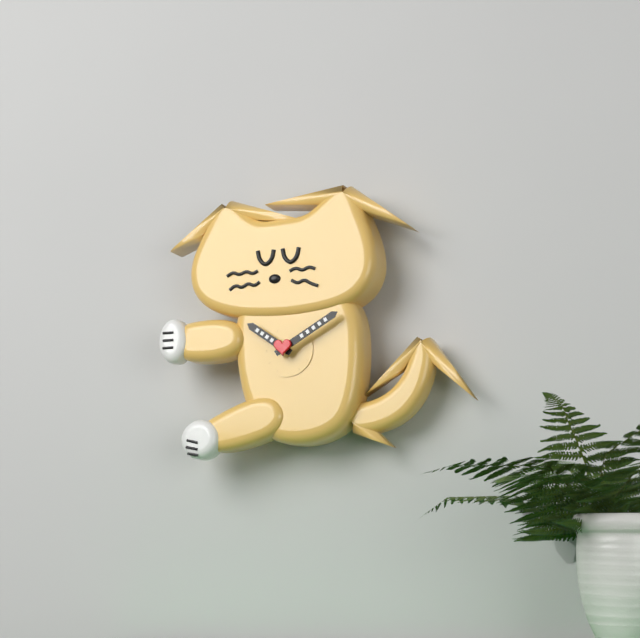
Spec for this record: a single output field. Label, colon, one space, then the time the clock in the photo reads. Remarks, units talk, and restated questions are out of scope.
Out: 10:10
